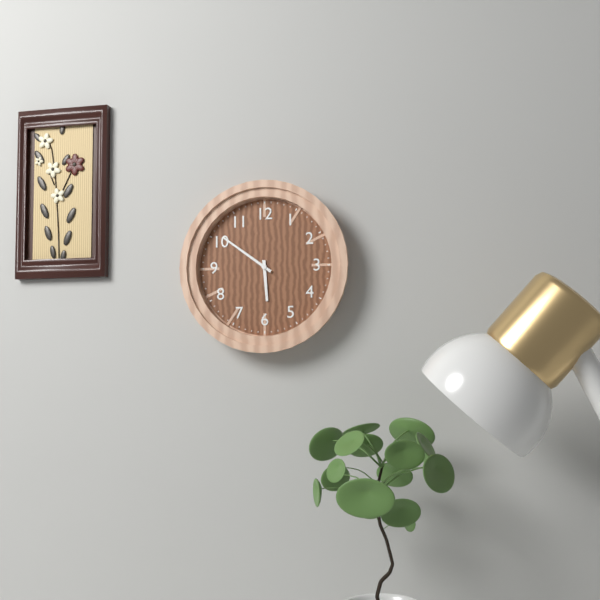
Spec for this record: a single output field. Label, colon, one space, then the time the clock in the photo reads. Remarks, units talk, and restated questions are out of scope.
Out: 5:51
